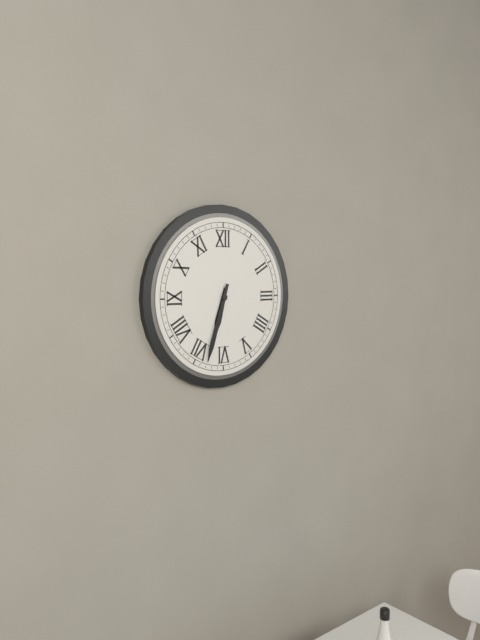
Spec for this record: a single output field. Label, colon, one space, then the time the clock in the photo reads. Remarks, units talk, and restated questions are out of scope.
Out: 6:33
